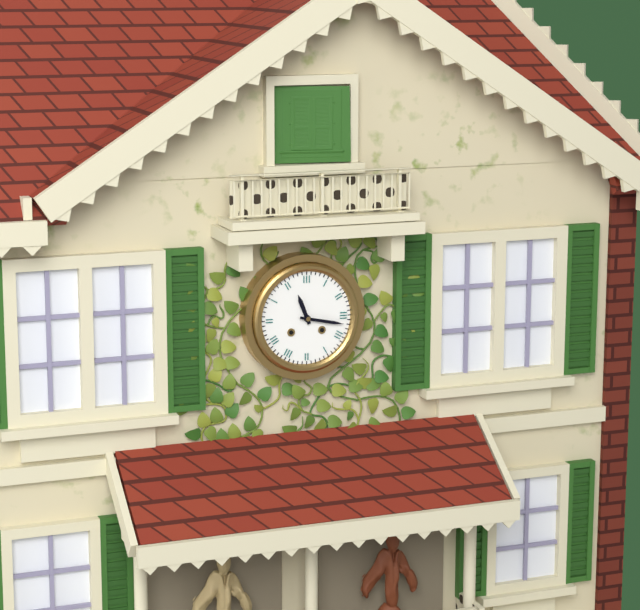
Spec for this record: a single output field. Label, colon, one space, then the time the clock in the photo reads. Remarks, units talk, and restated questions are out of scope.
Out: 11:17
